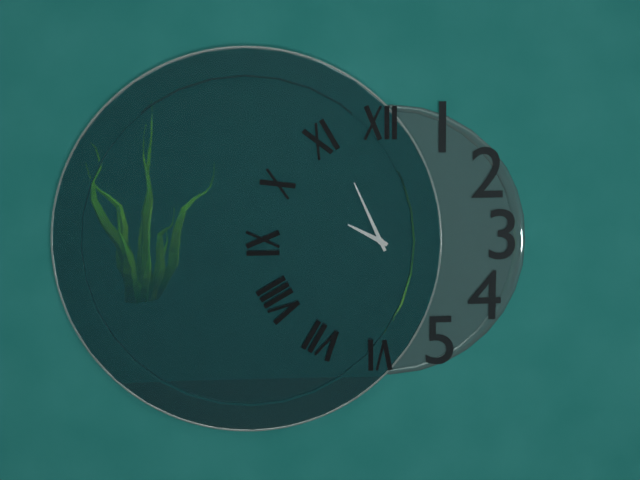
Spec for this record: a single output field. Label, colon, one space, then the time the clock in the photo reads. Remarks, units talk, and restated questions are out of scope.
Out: 9:56
